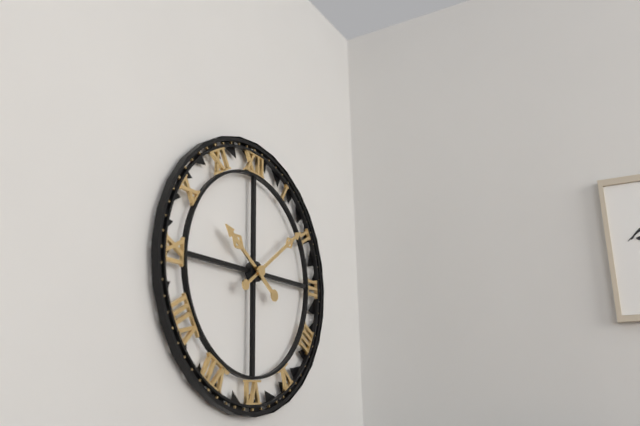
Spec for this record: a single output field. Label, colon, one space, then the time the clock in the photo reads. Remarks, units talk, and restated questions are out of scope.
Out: 10:09
